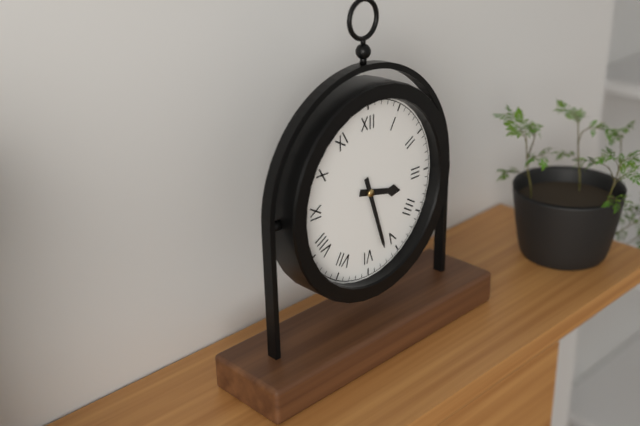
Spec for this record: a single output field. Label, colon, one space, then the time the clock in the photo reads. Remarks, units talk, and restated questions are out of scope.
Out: 3:27
